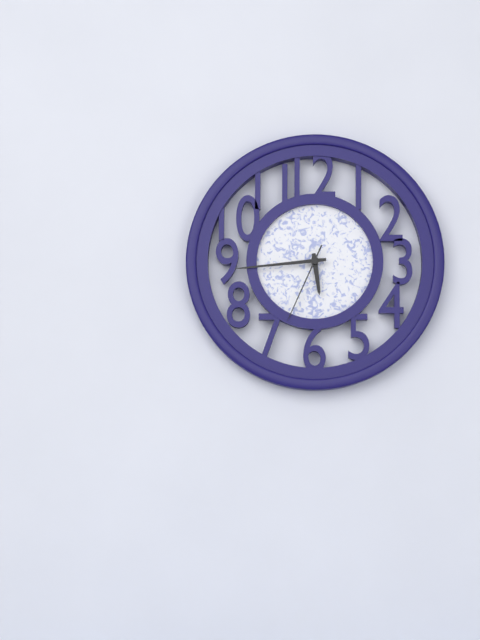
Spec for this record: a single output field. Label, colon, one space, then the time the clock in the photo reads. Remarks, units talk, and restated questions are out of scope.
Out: 5:44:34
